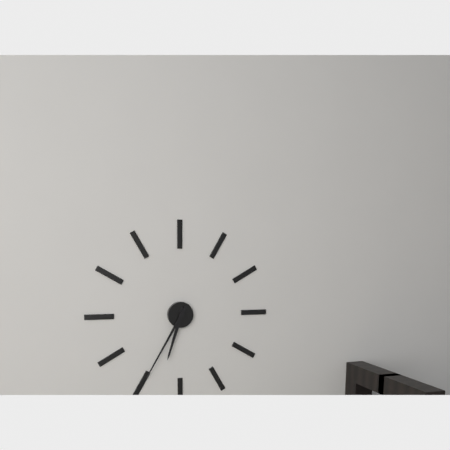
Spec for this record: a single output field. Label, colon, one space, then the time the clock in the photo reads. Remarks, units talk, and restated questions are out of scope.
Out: 6:35
